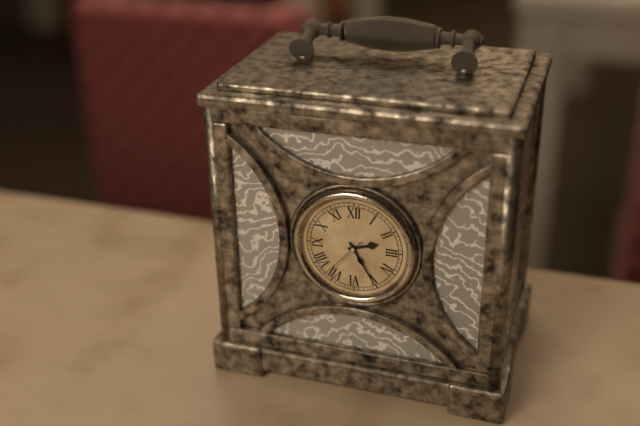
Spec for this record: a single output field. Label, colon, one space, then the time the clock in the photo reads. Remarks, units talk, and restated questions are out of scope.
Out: 2:25
